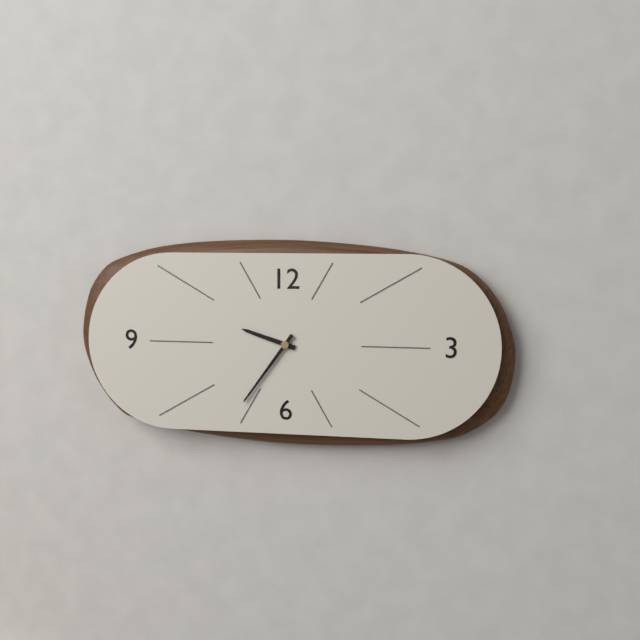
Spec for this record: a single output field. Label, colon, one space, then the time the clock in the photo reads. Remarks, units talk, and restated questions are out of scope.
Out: 9:36
